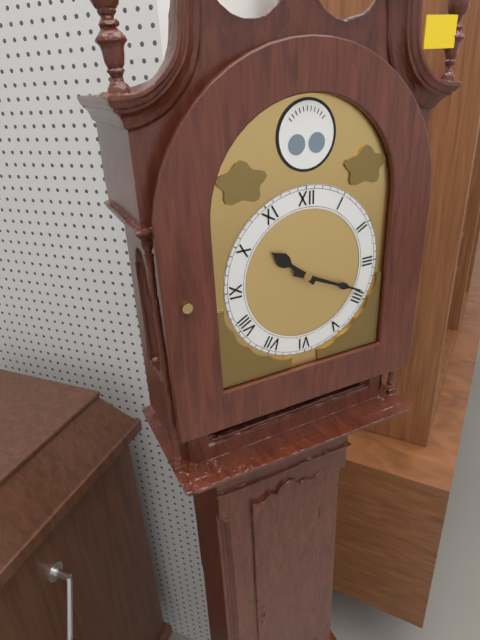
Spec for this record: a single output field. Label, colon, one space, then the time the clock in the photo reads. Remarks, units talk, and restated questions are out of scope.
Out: 10:19
